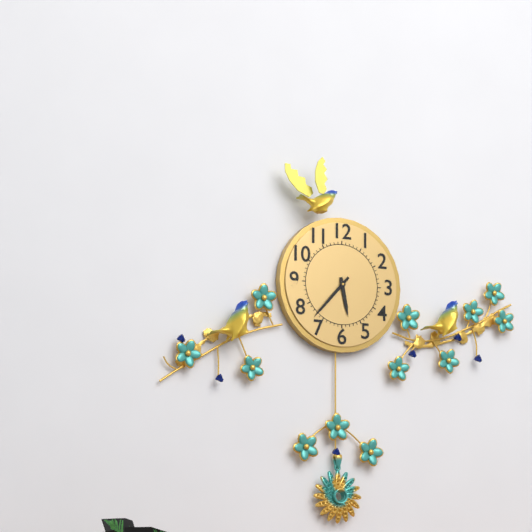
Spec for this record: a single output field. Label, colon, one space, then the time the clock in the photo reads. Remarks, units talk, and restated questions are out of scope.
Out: 5:37
